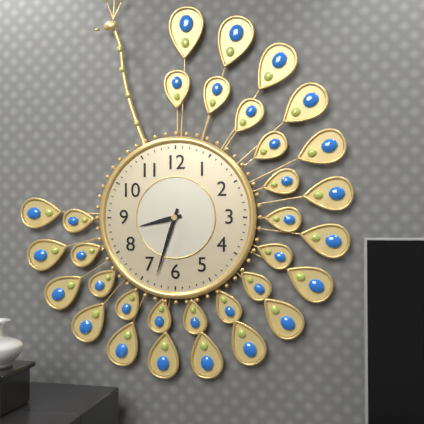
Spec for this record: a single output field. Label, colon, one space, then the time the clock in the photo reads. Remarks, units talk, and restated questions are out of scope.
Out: 8:33
